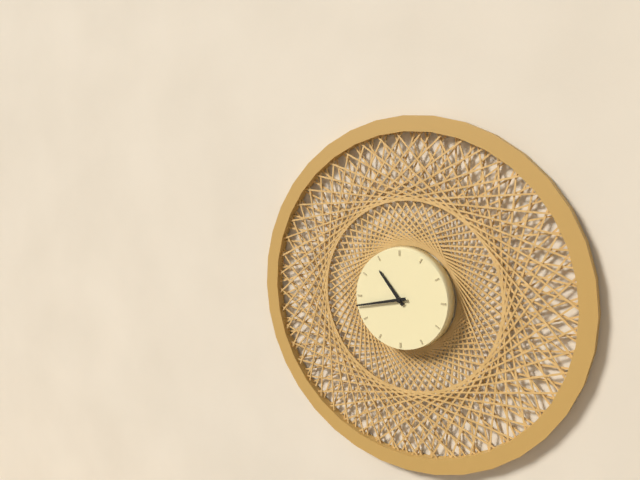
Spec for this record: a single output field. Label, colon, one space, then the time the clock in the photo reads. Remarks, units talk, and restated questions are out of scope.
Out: 10:43
